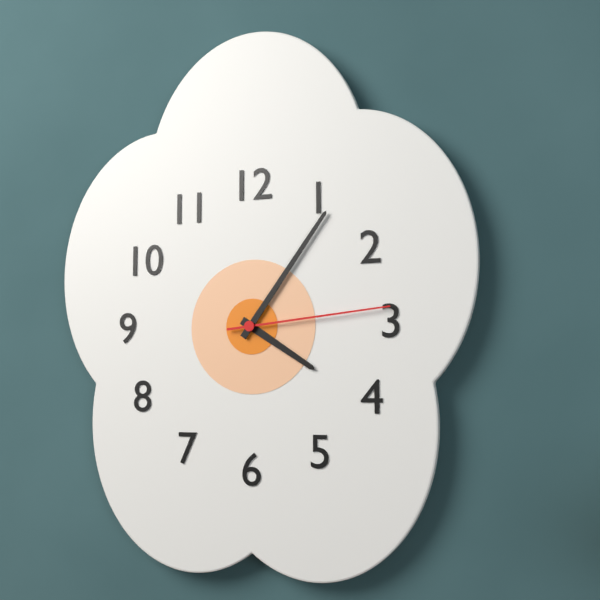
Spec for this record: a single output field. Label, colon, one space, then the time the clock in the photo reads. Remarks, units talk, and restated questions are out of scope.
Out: 4:06:14
